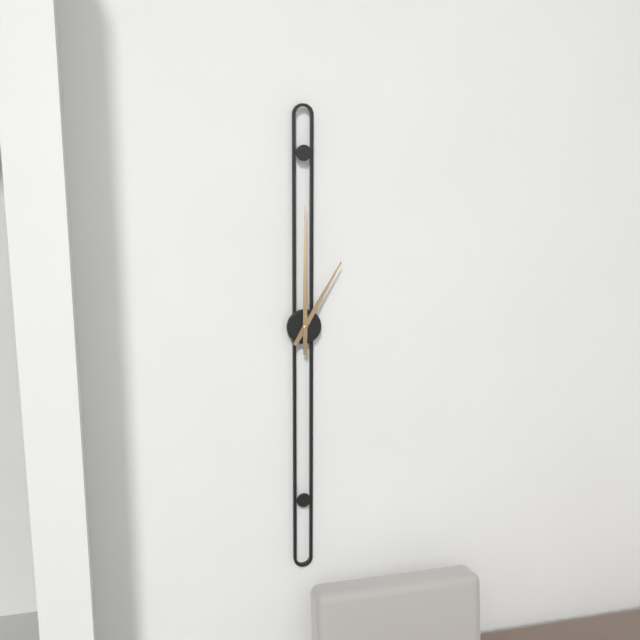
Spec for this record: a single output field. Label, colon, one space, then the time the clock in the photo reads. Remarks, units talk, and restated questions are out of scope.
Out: 1:00
